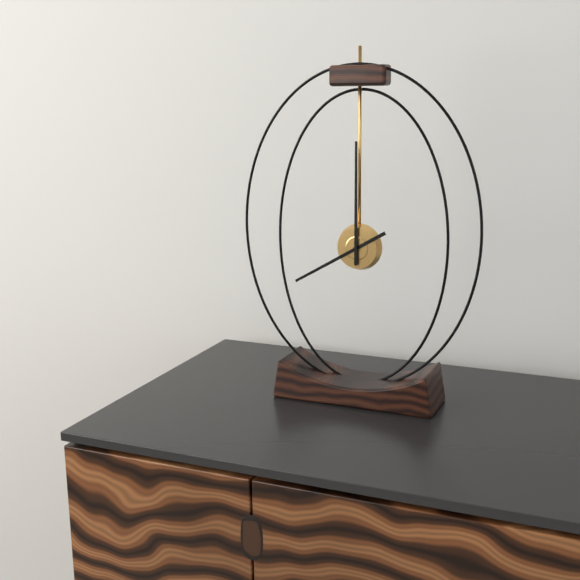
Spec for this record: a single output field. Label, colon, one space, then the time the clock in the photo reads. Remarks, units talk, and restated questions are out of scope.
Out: 8:00
